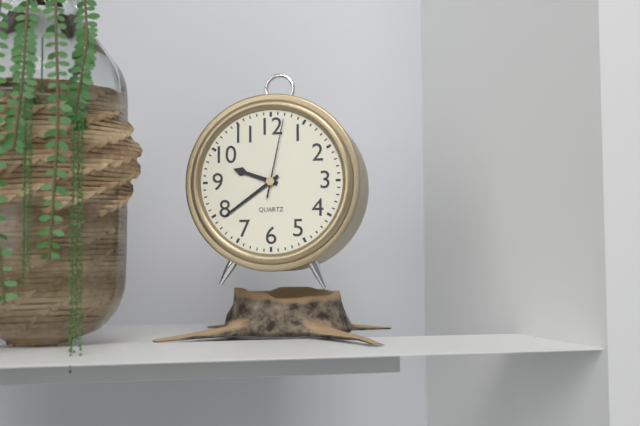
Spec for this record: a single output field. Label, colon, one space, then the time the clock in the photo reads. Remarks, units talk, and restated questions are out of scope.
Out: 9:39:02
